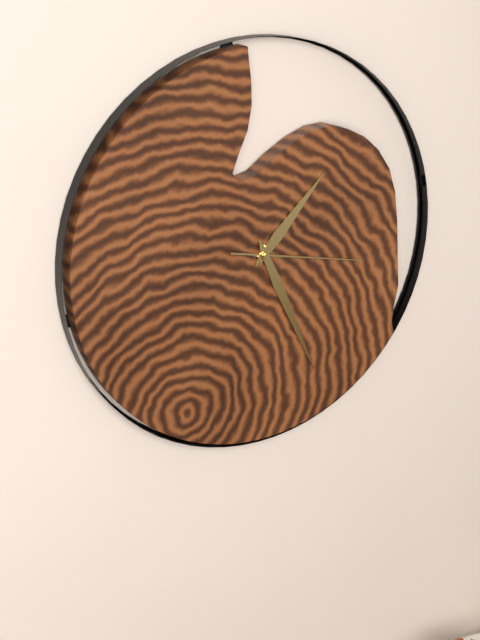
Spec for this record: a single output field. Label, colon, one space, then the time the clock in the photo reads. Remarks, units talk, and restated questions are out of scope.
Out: 1:26:17
